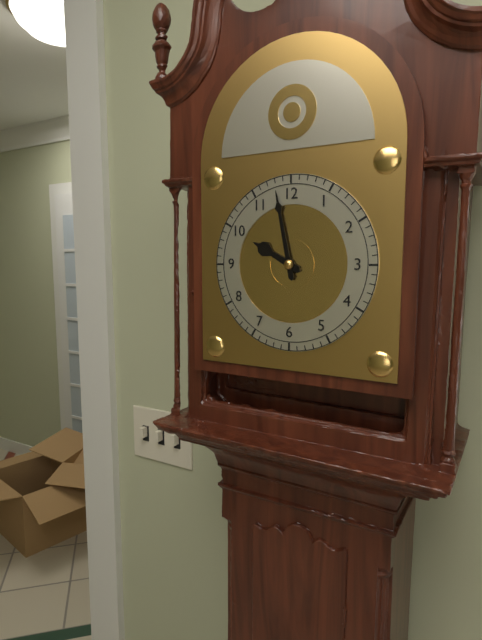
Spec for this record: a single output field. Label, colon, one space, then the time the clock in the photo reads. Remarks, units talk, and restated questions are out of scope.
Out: 9:58
